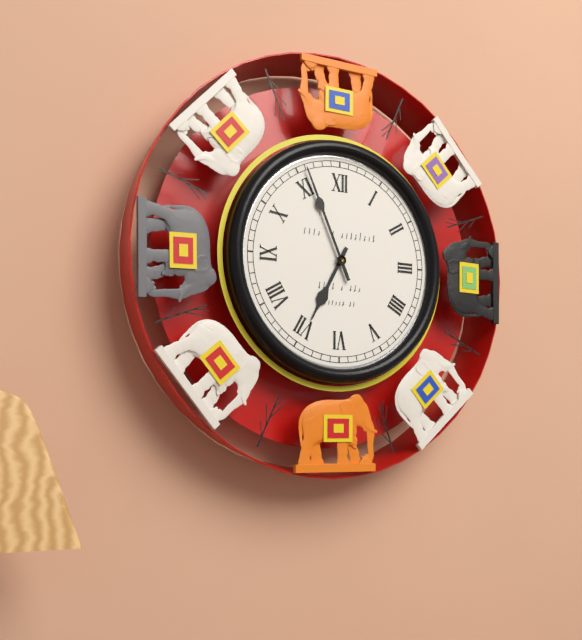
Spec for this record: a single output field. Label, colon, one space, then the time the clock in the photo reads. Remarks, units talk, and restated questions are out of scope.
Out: 6:56
